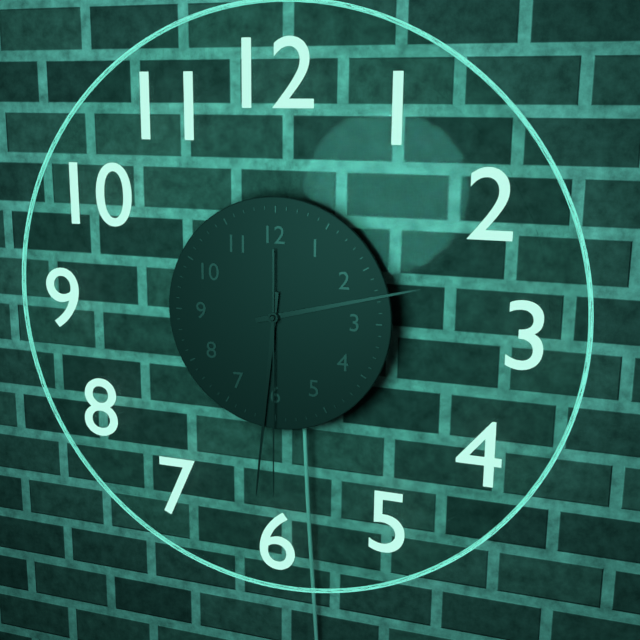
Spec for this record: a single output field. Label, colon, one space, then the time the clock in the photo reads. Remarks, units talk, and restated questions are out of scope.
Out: 2:31:30
